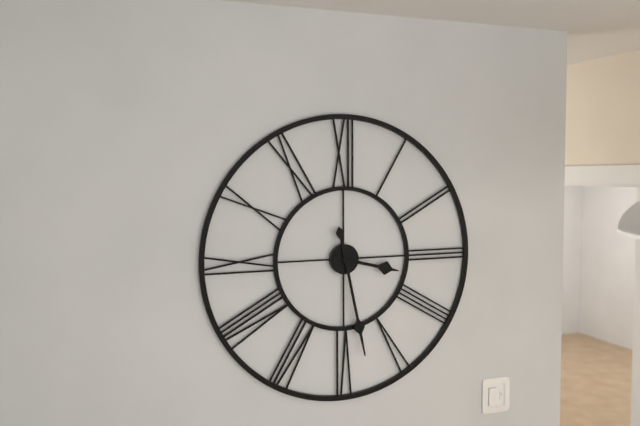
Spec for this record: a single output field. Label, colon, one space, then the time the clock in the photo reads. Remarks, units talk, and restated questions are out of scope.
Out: 3:28
